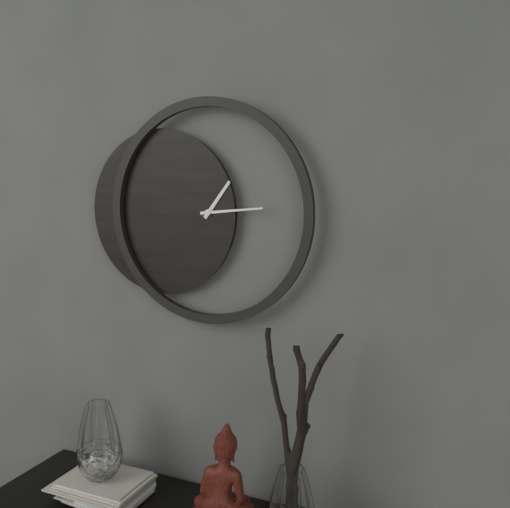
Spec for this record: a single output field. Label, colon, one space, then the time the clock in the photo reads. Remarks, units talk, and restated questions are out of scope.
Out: 1:14
